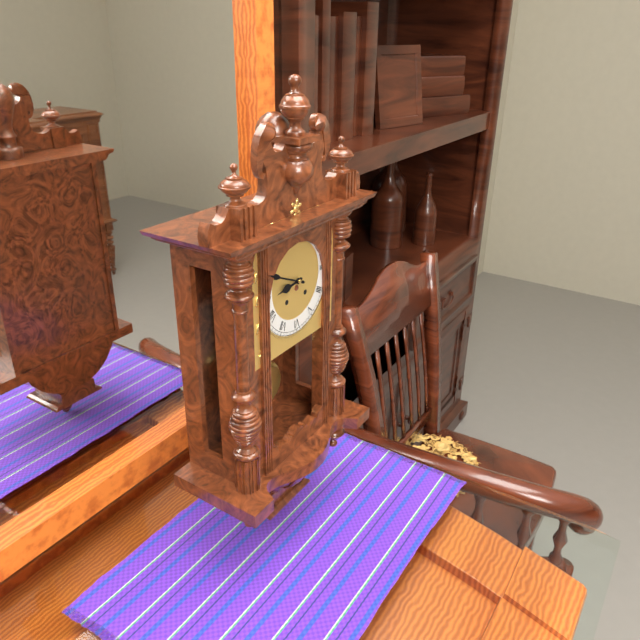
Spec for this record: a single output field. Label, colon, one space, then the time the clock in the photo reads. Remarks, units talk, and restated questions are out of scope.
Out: 8:49
